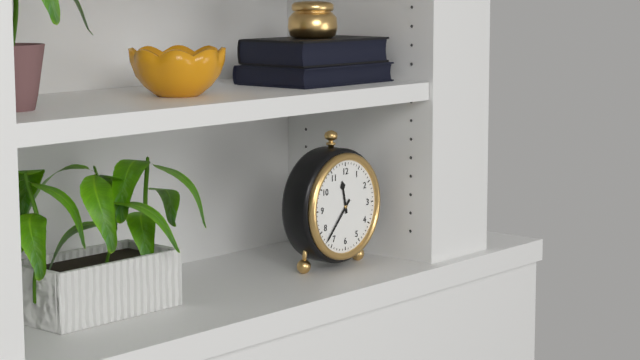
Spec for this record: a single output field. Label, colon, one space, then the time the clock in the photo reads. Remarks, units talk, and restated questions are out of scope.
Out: 11:37
